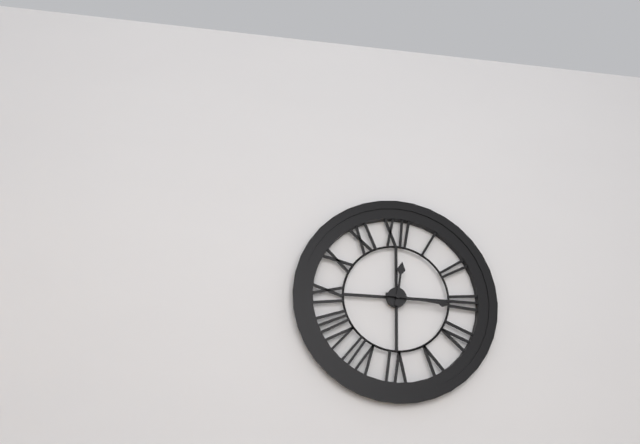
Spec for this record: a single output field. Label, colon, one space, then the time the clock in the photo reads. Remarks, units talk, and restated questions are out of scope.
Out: 12:16
